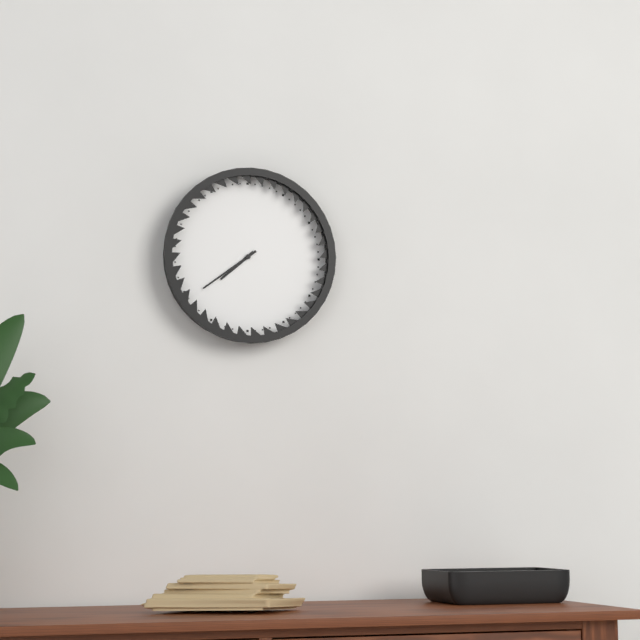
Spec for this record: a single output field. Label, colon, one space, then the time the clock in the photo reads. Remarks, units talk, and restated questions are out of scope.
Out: 7:39
